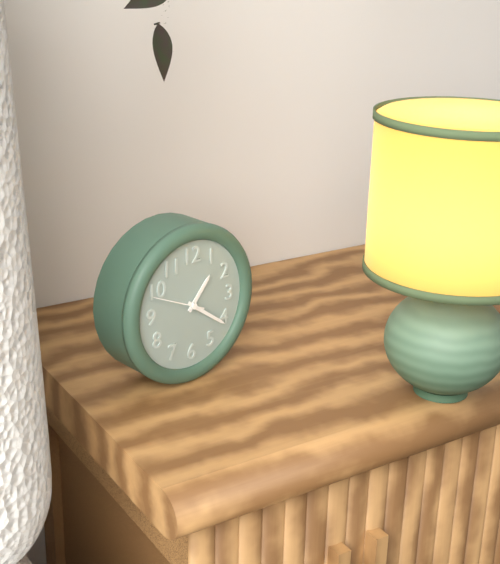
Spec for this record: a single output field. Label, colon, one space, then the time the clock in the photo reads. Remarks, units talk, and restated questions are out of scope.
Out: 1:21:49
